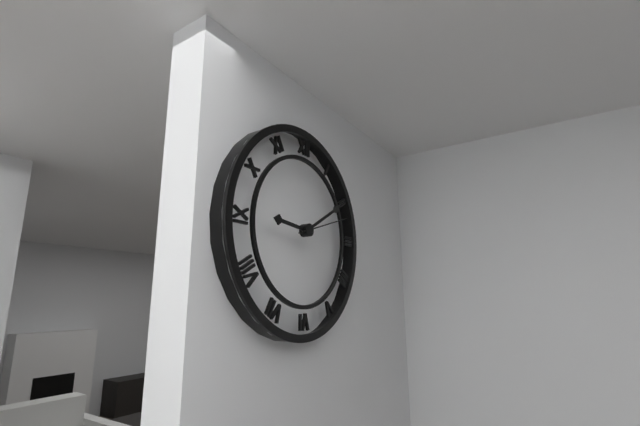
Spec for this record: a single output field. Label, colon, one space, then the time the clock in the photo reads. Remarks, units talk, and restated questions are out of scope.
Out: 9:10:12
